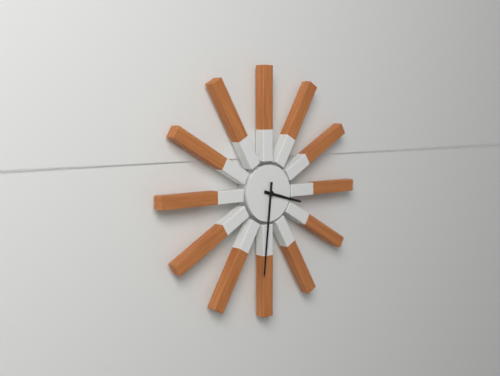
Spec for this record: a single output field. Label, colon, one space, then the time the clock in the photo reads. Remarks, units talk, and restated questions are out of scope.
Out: 3:31
